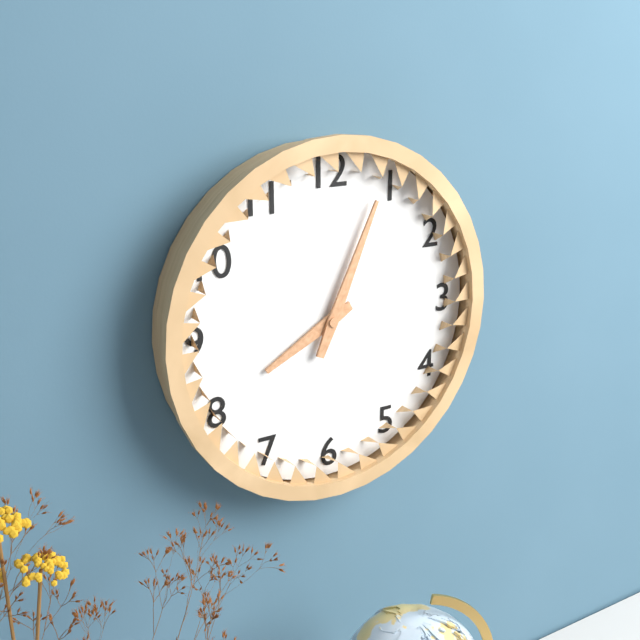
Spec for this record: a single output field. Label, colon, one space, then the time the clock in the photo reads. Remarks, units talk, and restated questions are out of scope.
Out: 8:04
